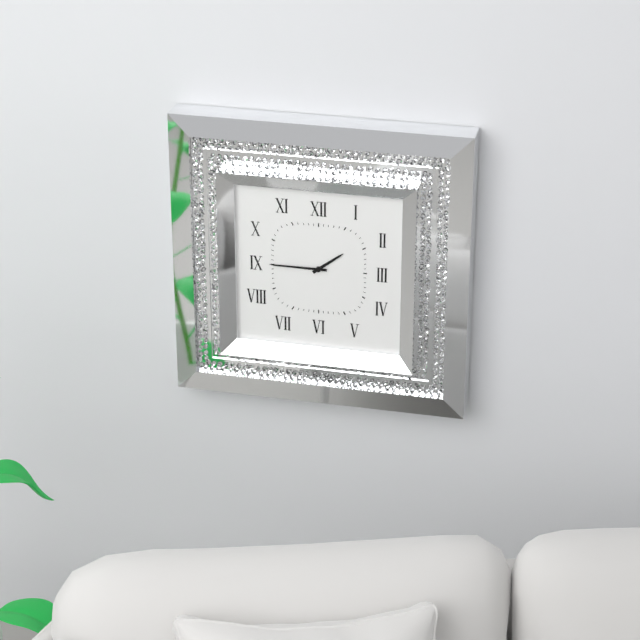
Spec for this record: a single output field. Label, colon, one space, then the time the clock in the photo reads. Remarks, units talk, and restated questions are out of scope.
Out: 1:45
